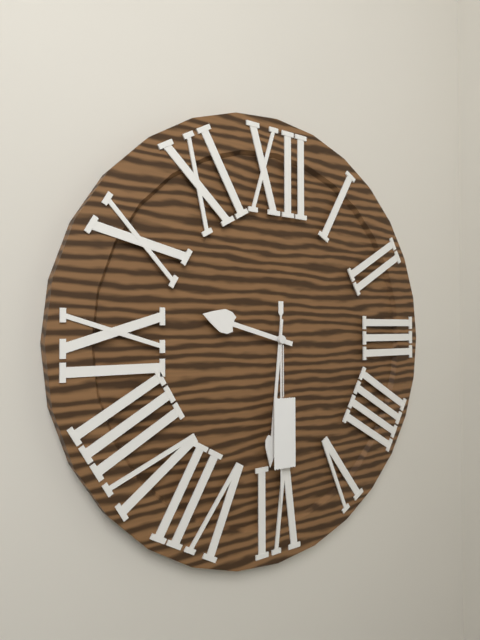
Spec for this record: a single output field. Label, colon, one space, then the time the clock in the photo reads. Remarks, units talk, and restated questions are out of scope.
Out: 9:31:30
